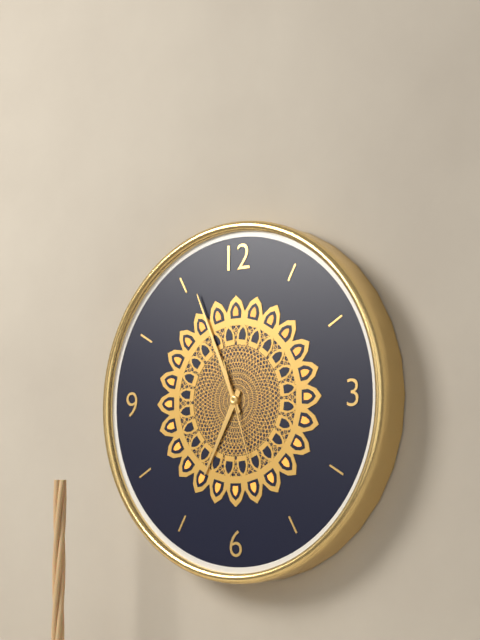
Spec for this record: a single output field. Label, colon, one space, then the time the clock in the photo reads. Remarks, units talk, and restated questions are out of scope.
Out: 6:56:27
